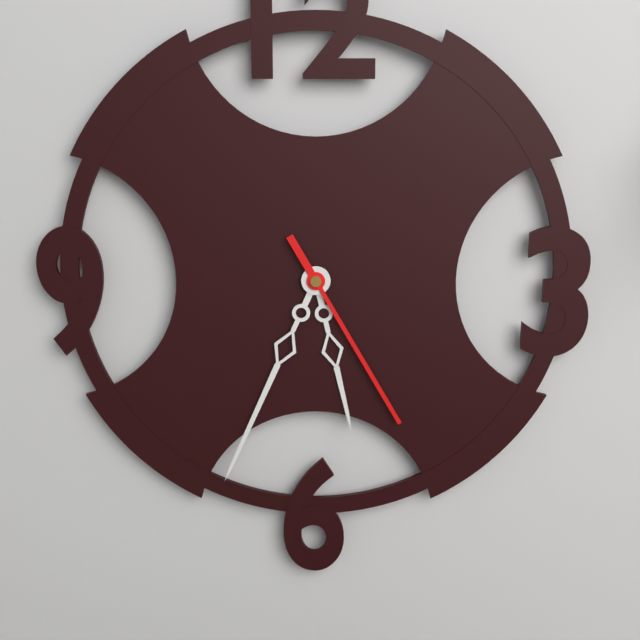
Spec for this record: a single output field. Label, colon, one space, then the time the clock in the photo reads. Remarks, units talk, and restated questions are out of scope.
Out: 5:34:25
